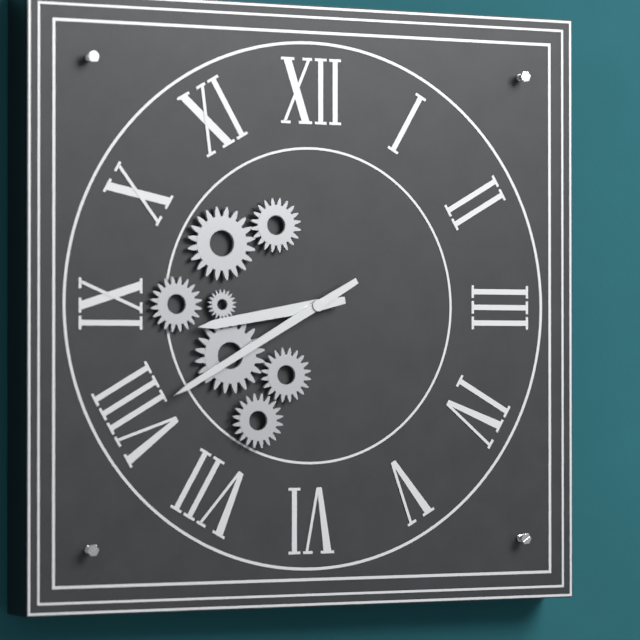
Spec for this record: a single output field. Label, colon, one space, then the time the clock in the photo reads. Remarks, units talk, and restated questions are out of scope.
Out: 8:40
